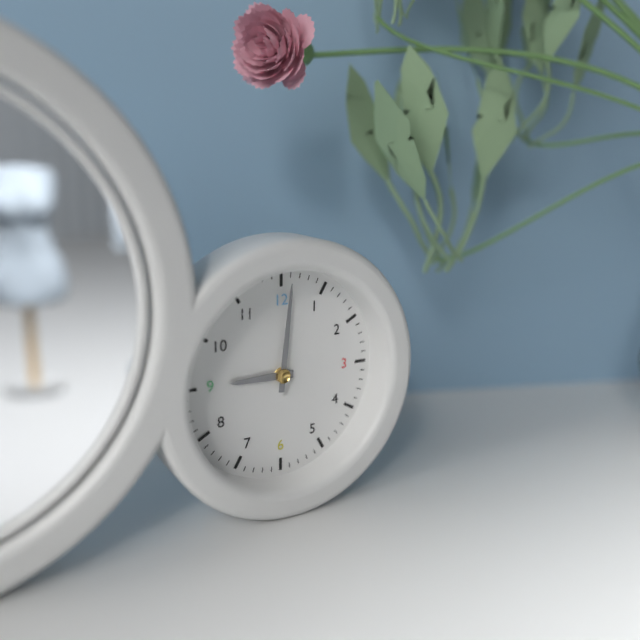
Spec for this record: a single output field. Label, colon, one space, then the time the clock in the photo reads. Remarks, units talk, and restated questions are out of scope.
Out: 9:01
